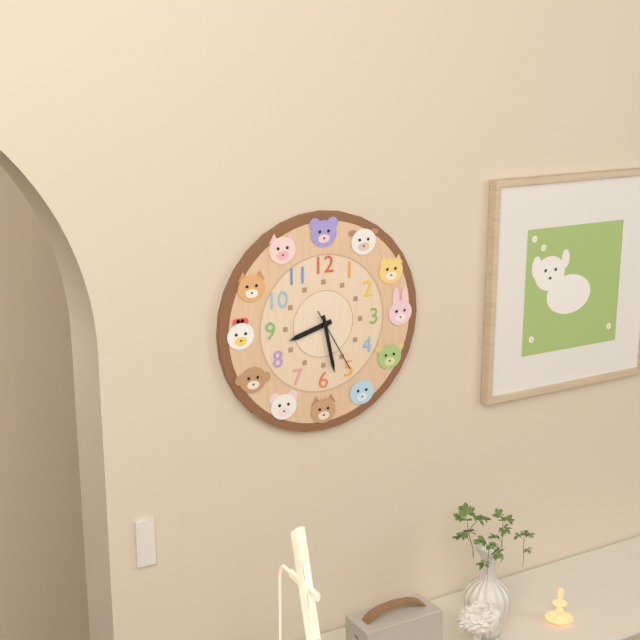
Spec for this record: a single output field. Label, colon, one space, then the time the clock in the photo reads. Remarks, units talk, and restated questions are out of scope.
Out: 8:28:25
